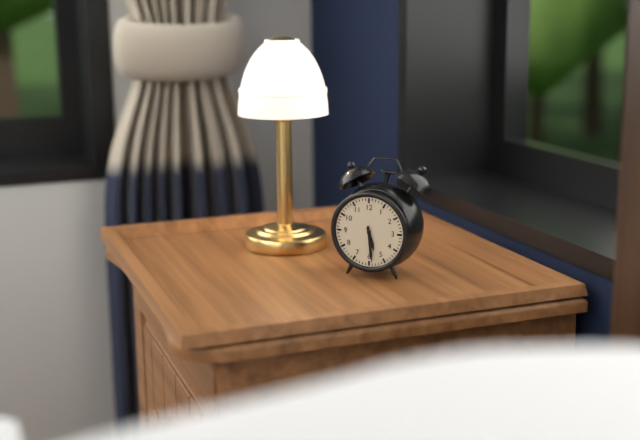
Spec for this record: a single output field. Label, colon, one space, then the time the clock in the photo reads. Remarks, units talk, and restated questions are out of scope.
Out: 5:29
